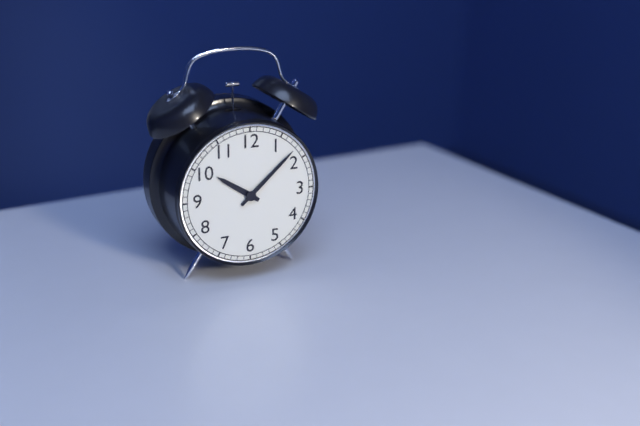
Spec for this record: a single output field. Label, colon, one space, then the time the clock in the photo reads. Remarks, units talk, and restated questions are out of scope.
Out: 10:08
